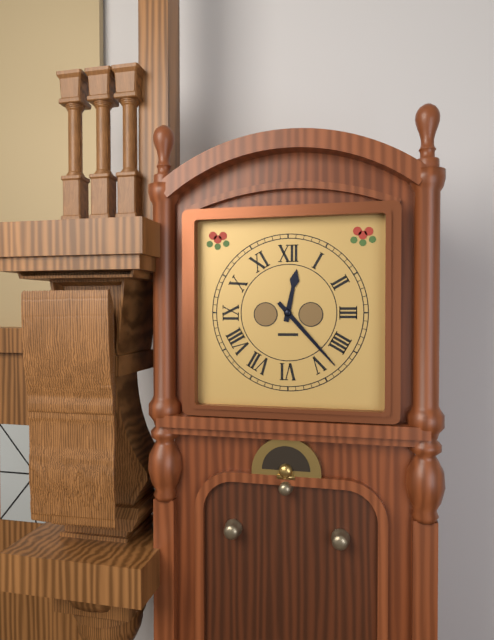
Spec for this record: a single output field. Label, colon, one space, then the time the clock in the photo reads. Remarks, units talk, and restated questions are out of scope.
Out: 12:23
